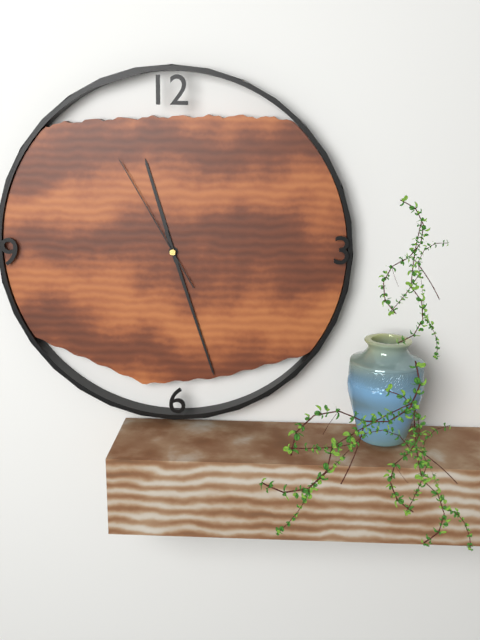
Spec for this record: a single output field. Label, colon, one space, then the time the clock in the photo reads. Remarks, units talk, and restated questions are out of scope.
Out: 11:27:55
